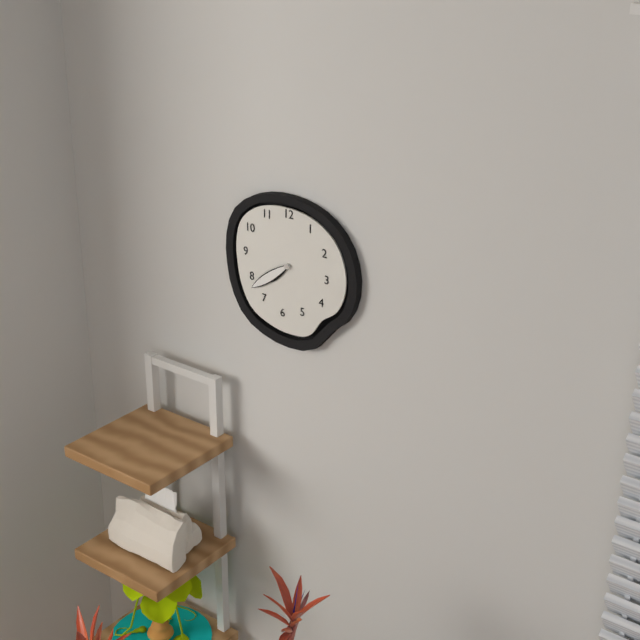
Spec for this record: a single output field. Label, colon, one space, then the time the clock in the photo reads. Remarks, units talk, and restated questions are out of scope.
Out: 7:39
